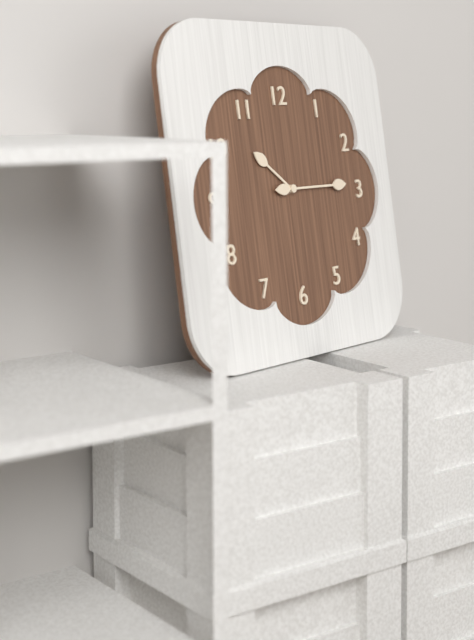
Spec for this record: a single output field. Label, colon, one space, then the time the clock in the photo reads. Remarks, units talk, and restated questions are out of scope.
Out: 10:15
